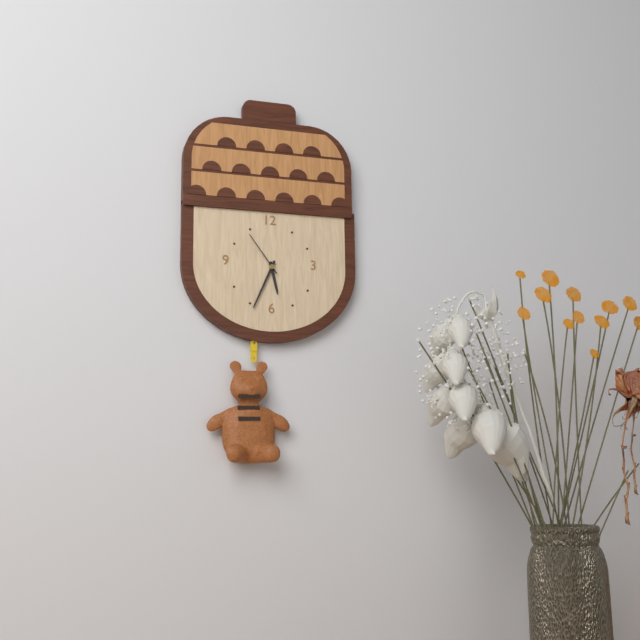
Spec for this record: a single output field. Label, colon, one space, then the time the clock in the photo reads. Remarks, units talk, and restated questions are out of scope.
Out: 5:34:54
